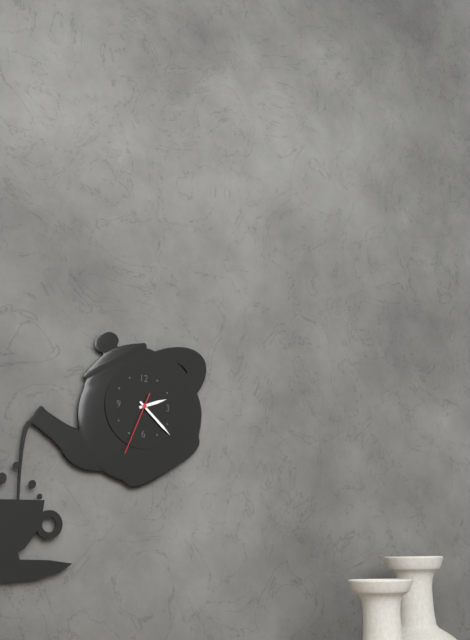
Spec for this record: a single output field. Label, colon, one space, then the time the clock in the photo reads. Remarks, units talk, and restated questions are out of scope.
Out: 2:22:34
